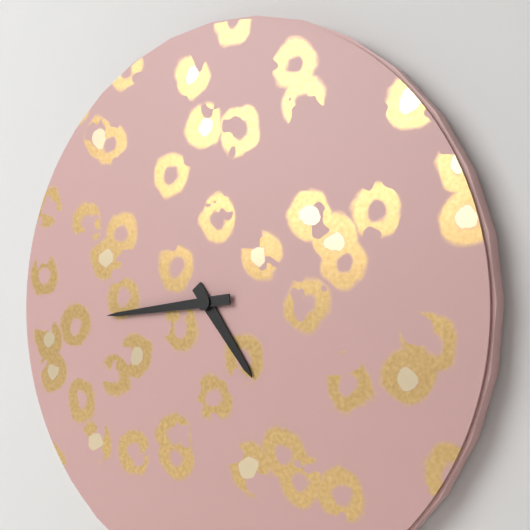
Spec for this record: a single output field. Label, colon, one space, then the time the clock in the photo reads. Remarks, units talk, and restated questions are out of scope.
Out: 4:44
